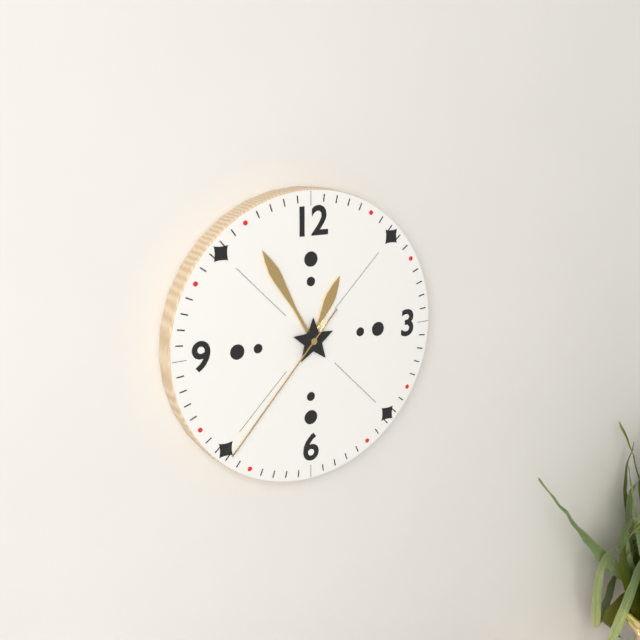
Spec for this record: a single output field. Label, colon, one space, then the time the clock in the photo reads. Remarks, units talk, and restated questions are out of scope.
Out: 12:55:37
